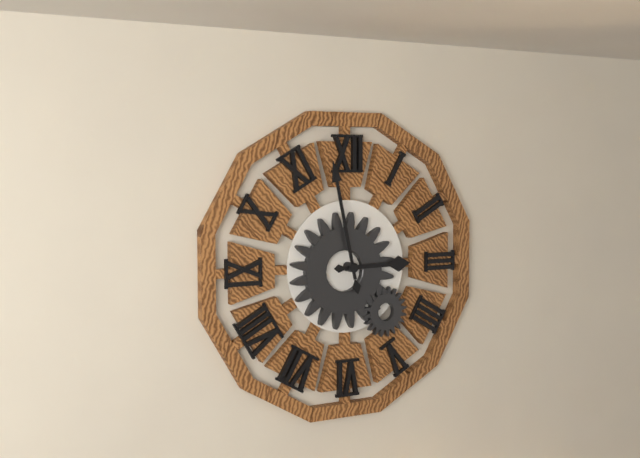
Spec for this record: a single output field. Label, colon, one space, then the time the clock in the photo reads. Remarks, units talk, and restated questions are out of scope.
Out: 2:58
